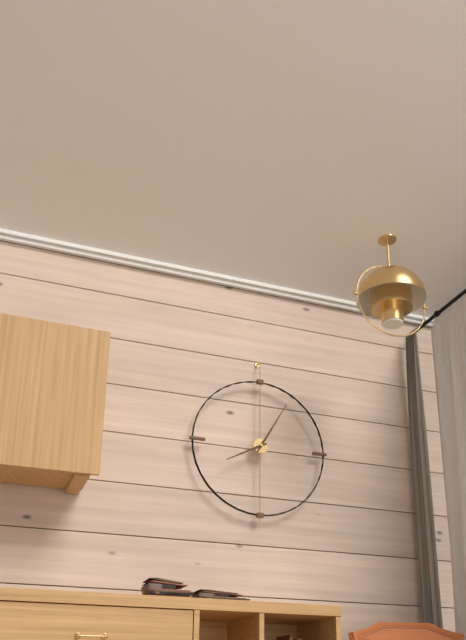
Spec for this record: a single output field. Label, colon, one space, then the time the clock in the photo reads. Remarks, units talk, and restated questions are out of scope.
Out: 8:05
